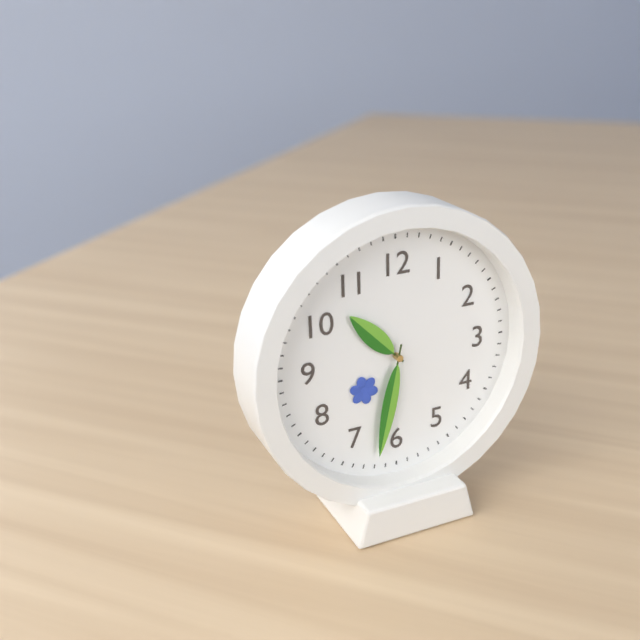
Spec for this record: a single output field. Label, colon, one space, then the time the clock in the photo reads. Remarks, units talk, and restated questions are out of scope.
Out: 10:32
